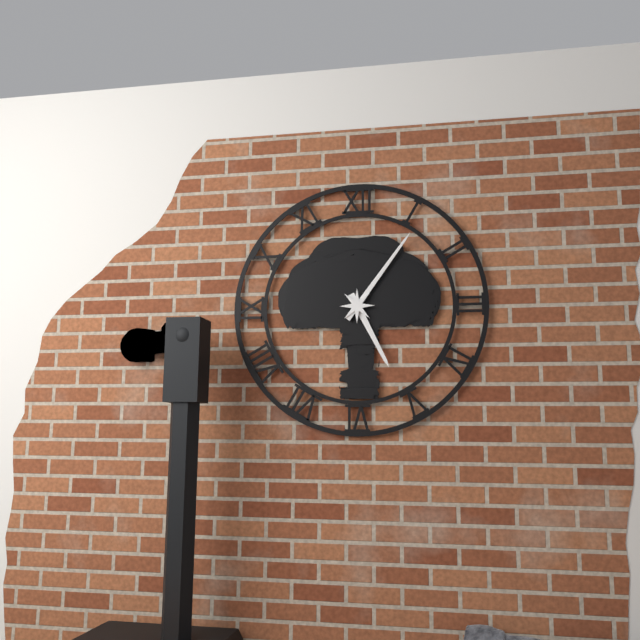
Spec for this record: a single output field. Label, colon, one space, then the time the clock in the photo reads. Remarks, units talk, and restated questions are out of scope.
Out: 5:06
